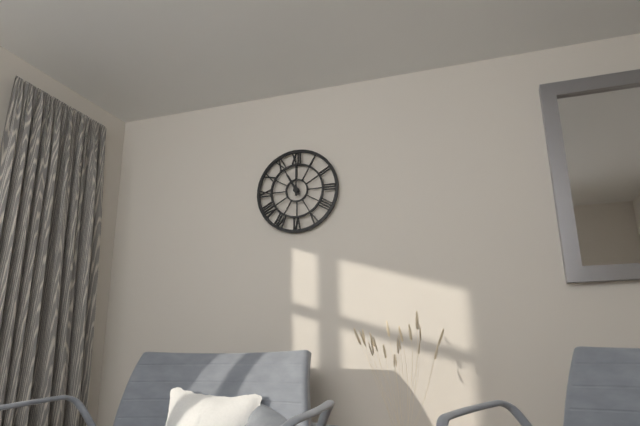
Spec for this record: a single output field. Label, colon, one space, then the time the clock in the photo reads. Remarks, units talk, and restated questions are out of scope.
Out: 11:00
